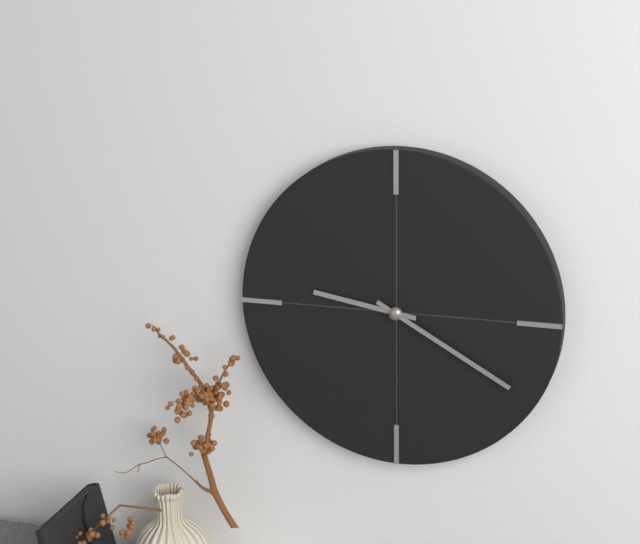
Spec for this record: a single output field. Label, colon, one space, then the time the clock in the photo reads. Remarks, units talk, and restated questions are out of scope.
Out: 9:20
